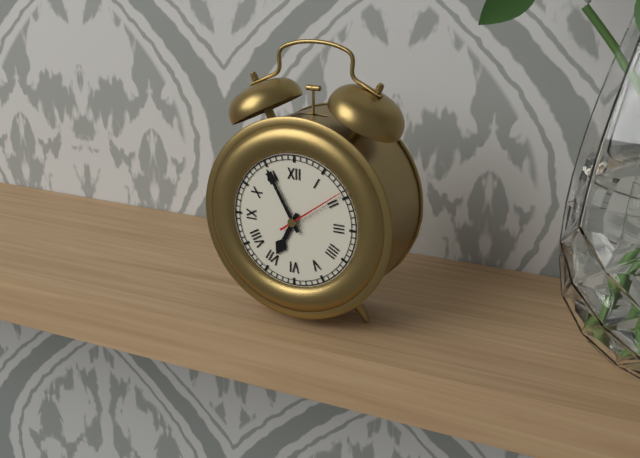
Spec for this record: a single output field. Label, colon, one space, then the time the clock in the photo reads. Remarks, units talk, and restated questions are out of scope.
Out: 6:55:09
